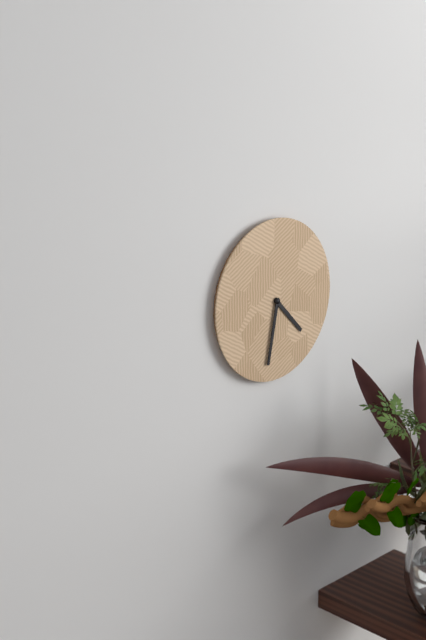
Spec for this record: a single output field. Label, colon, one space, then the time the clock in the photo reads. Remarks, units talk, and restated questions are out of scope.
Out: 4:32
